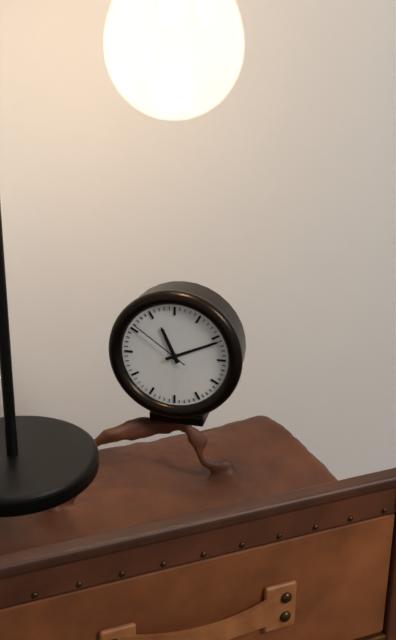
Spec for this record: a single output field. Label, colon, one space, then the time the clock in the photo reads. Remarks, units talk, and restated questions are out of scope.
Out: 11:11:51
